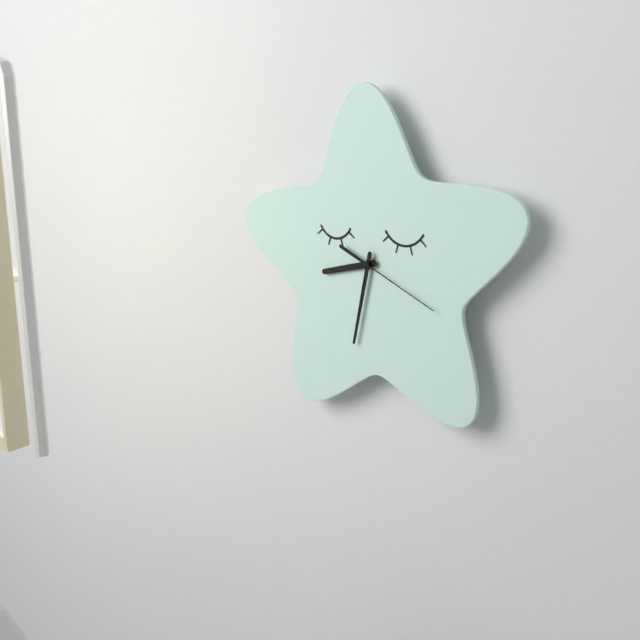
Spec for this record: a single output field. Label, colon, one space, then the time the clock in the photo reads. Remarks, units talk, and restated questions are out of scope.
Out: 8:32:19
